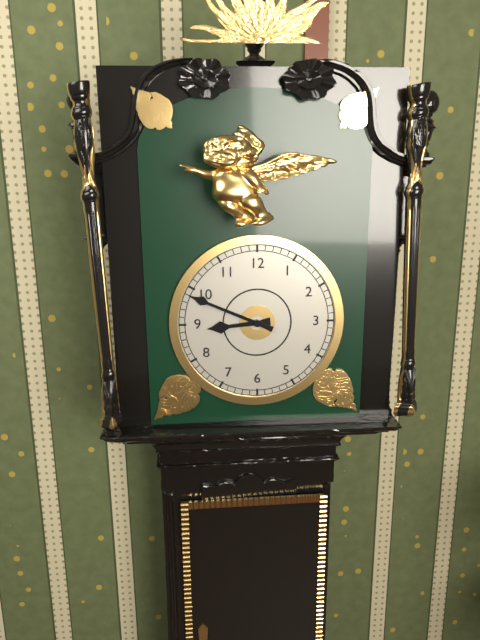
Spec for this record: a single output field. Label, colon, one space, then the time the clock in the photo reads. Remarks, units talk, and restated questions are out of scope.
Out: 8:49
